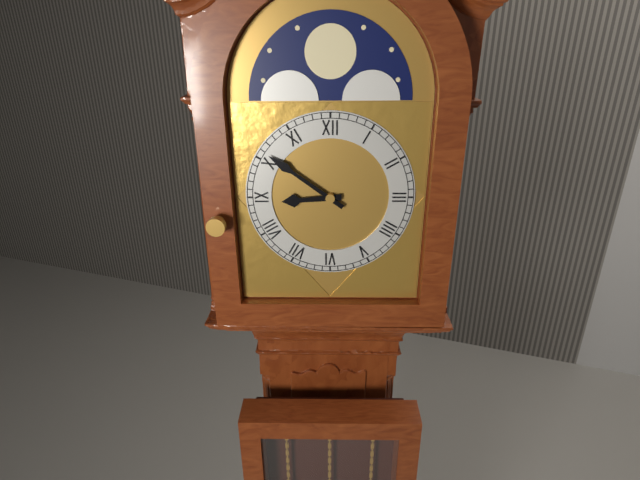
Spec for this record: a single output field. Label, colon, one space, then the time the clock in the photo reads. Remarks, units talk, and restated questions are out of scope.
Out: 8:51
